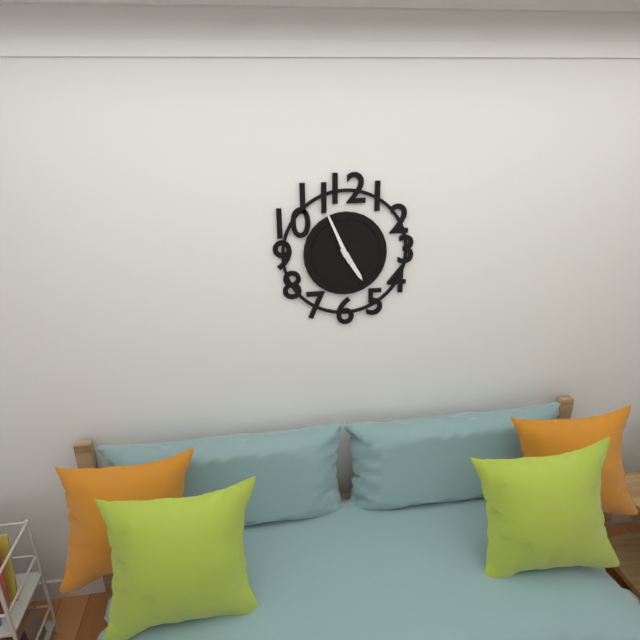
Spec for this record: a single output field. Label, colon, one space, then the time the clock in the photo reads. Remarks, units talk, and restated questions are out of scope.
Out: 4:56
